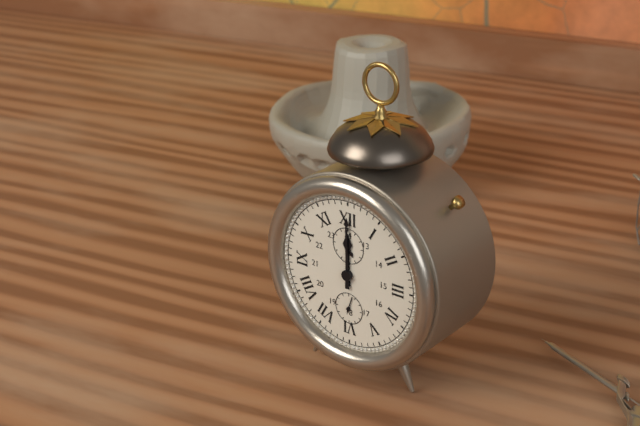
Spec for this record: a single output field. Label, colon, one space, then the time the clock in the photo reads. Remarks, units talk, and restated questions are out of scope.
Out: 12:00
